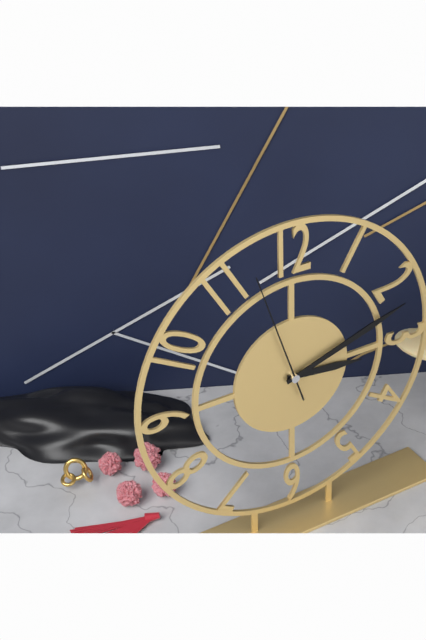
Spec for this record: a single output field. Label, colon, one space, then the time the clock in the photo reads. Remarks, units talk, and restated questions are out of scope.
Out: 3:12:57
